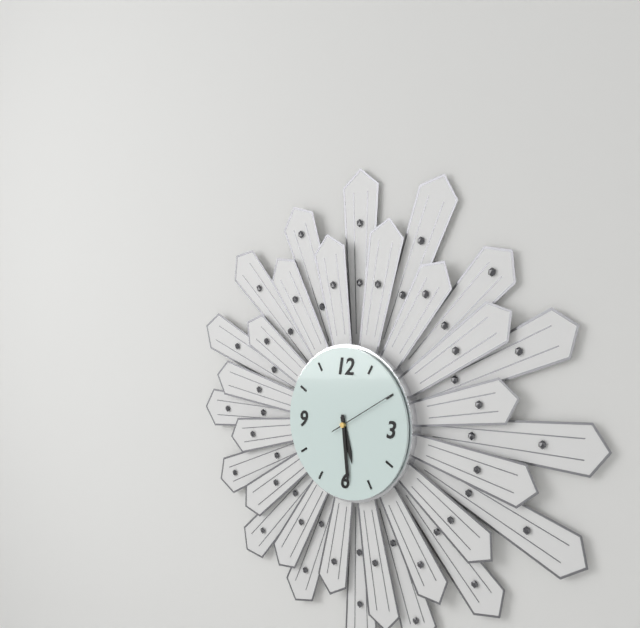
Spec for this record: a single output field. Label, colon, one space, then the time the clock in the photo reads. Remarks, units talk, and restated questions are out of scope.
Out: 5:29:10
